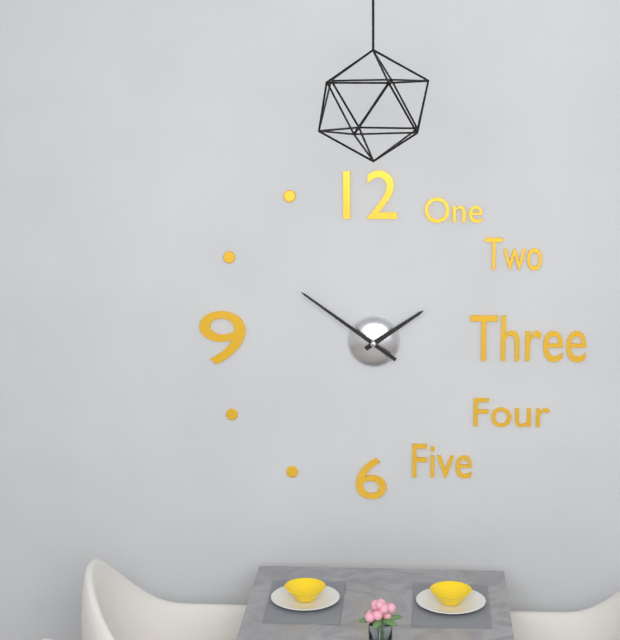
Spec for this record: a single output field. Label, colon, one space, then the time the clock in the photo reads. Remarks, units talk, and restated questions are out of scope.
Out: 1:51
